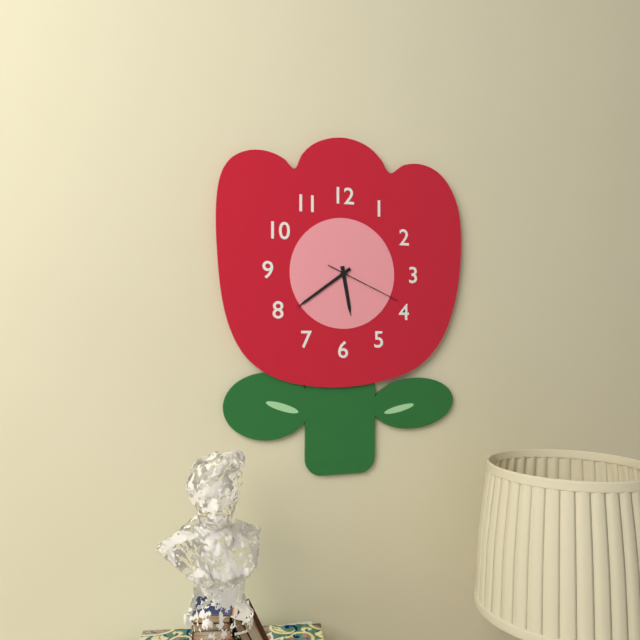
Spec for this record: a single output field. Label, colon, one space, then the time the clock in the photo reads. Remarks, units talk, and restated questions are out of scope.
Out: 5:39:19
